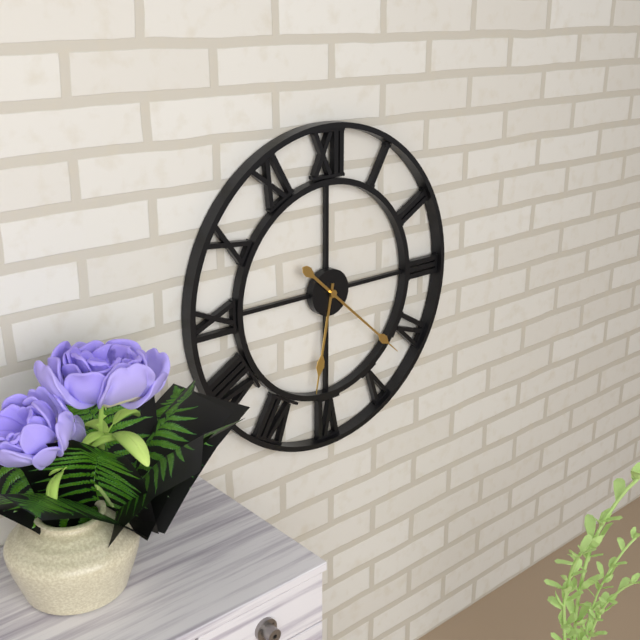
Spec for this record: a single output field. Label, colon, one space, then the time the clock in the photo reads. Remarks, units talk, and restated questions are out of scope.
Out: 6:22
